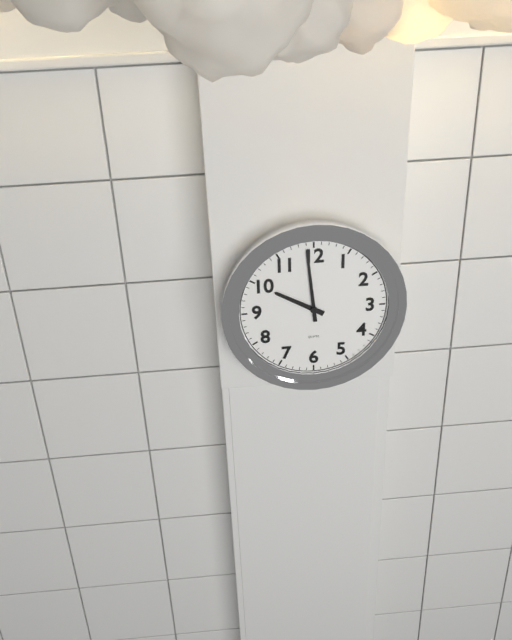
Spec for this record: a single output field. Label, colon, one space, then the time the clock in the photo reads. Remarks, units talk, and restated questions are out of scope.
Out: 9:59
